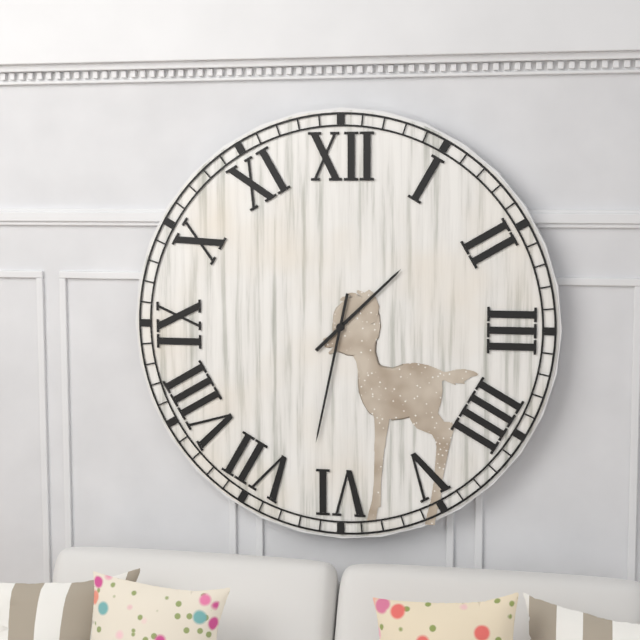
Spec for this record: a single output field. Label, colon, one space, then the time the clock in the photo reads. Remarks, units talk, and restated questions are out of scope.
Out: 1:32
